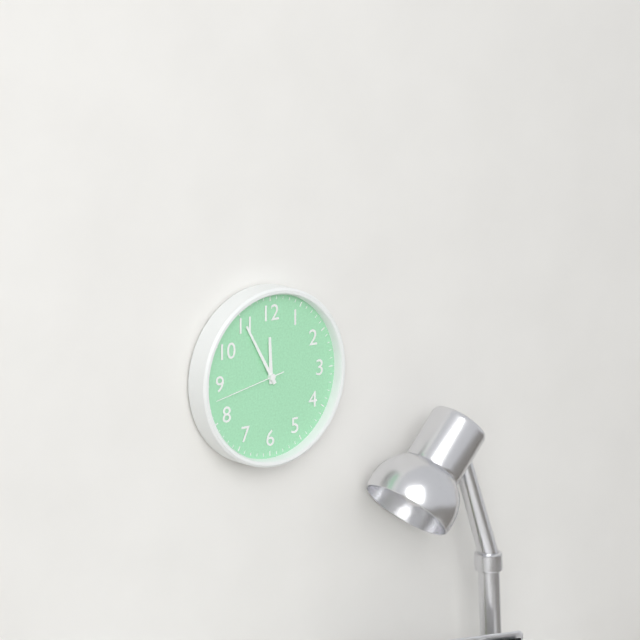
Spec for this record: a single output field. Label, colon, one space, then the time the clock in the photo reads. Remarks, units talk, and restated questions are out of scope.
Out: 11:55:43
